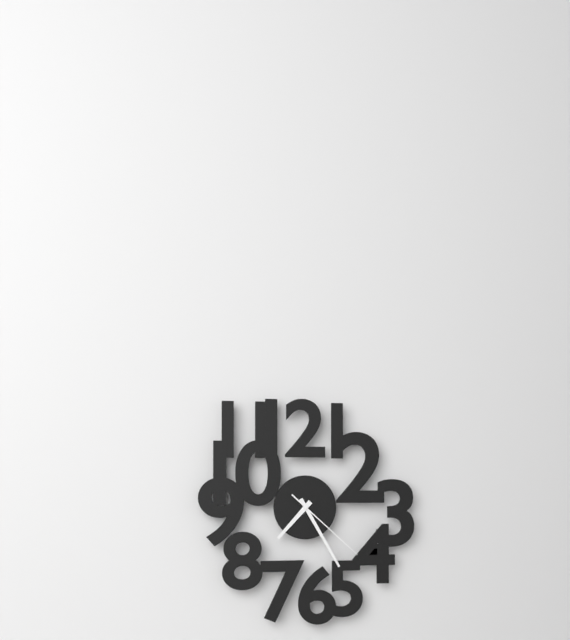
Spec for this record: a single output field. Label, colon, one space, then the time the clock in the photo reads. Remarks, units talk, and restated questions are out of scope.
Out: 7:25:22
